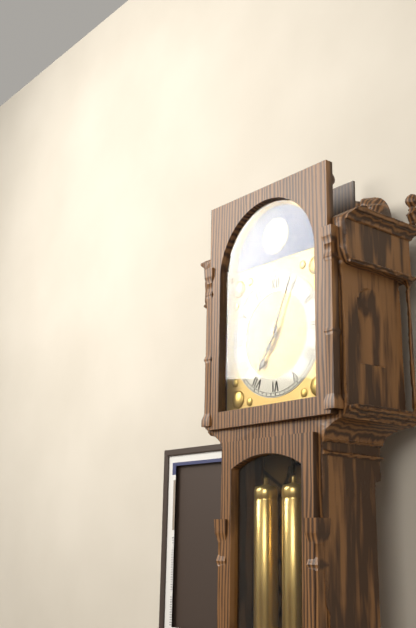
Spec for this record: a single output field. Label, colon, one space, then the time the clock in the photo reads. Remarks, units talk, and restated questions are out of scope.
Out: 7:04
